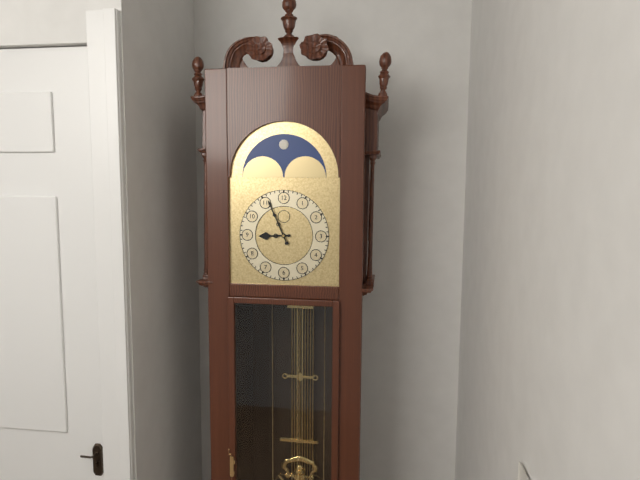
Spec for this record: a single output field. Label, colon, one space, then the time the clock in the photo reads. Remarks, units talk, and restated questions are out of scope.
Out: 8:56
